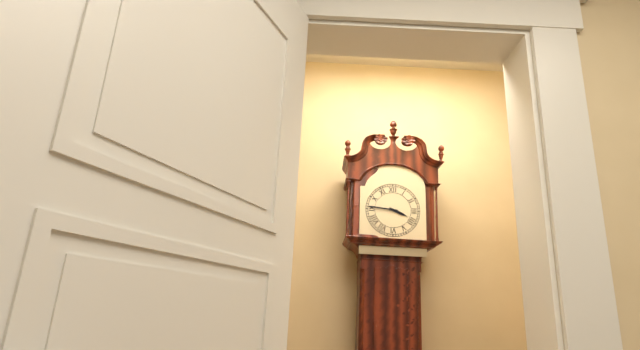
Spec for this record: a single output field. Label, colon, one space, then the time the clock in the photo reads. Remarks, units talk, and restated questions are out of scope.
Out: 3:46
